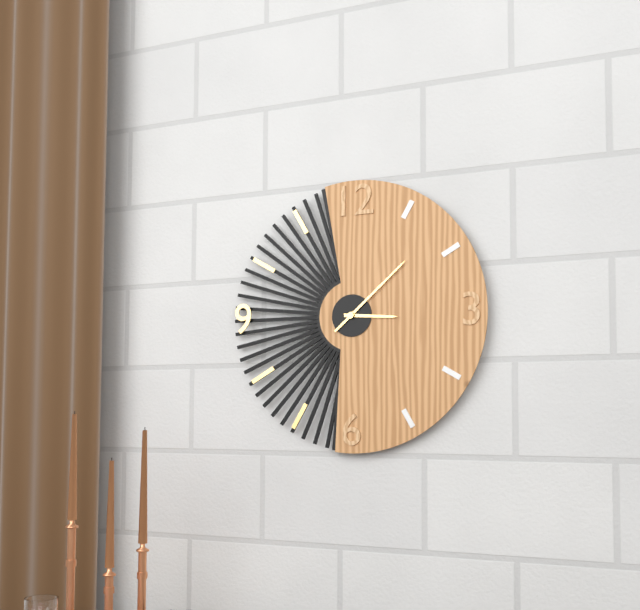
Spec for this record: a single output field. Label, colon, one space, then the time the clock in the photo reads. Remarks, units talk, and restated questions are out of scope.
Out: 3:08
